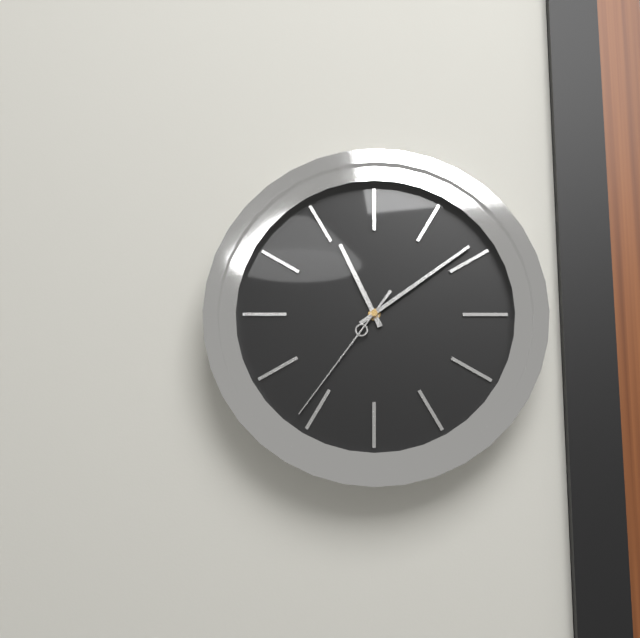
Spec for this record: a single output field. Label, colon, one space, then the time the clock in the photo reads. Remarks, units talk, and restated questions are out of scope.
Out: 11:09:36
